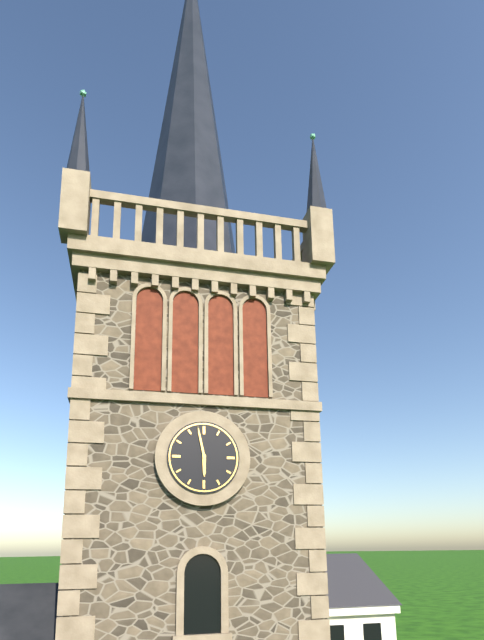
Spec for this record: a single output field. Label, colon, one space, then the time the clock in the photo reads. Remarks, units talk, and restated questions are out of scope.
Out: 5:58
